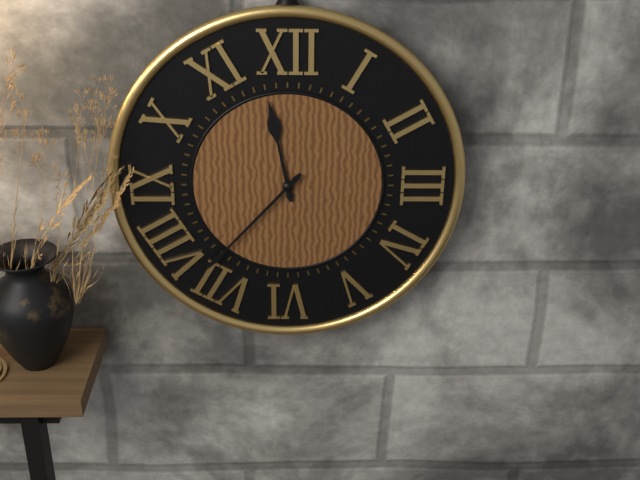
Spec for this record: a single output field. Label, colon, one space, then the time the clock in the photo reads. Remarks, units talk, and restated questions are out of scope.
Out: 11:37
